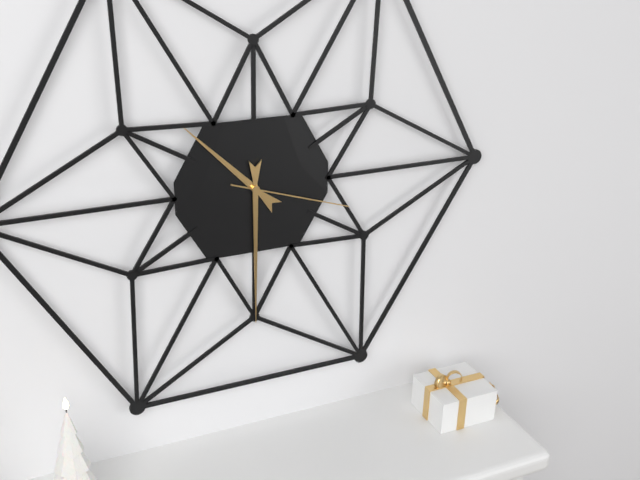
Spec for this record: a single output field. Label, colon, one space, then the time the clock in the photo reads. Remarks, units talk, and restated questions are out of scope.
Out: 10:30:18
